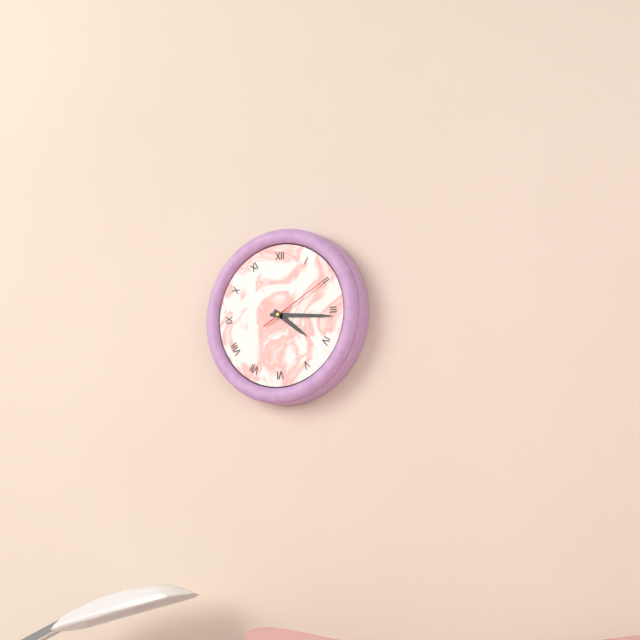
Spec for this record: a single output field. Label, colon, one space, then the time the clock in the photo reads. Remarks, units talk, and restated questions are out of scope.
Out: 4:16:10
